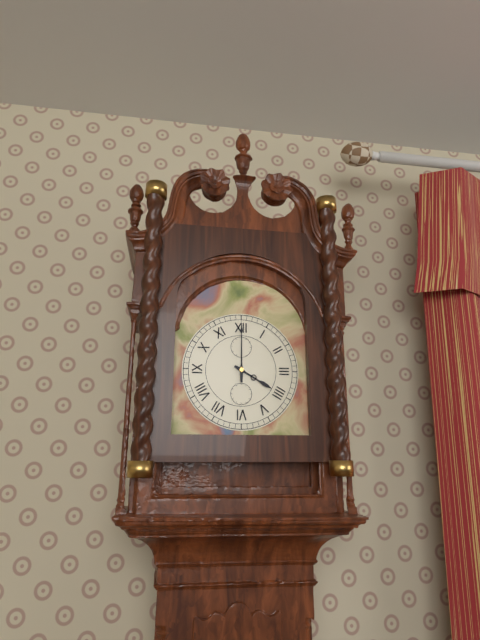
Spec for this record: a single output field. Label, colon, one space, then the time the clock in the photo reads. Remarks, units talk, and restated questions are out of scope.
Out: 4:00
